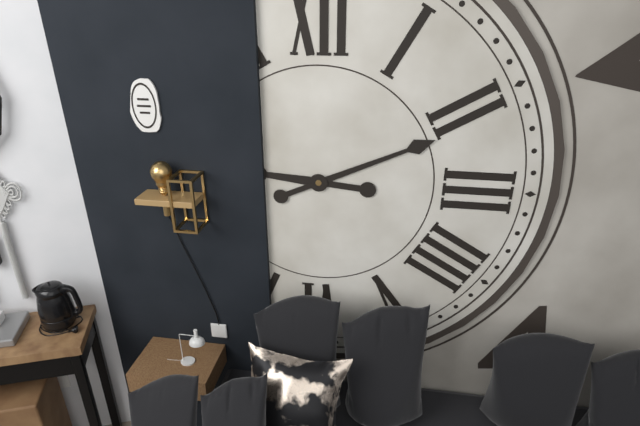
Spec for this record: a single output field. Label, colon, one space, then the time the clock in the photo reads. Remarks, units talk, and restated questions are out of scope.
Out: 9:11
